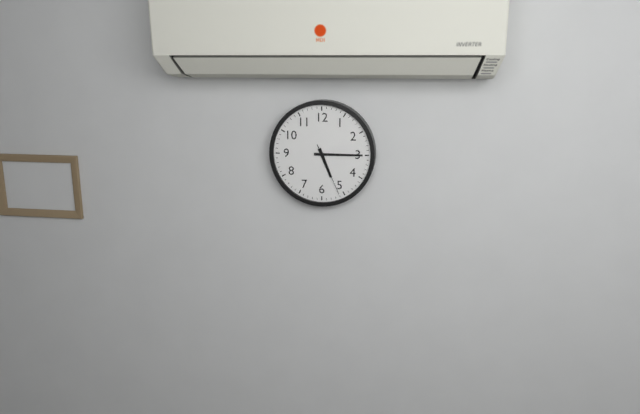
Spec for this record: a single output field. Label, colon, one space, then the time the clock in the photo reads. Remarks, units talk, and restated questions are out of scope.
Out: 5:15:26
